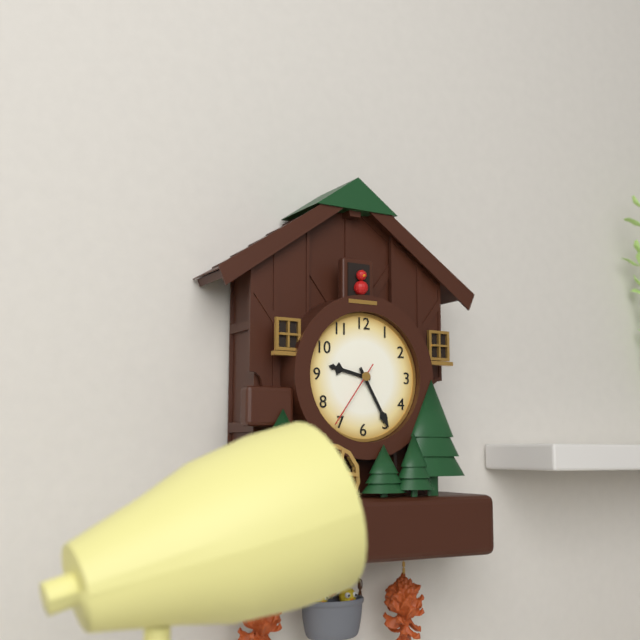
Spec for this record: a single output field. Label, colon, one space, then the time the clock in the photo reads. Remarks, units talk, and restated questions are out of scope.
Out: 9:25:36
